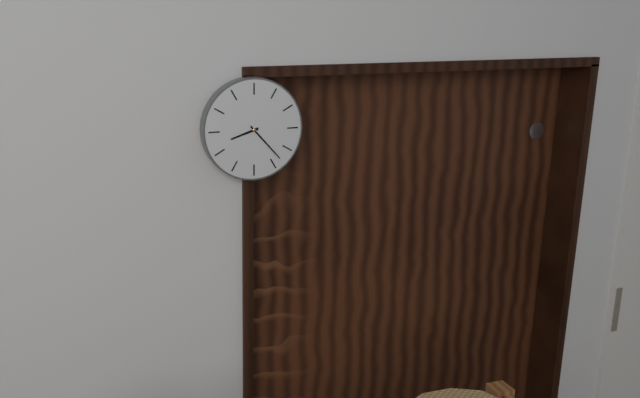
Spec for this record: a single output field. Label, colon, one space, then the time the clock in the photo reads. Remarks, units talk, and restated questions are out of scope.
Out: 8:23
